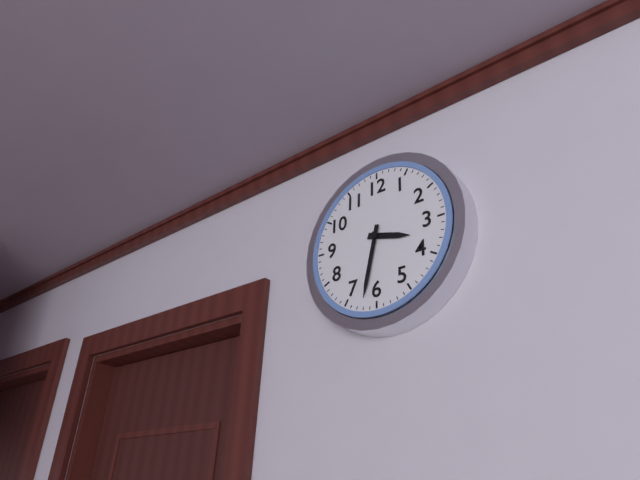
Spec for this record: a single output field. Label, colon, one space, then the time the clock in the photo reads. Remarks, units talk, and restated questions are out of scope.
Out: 3:32
